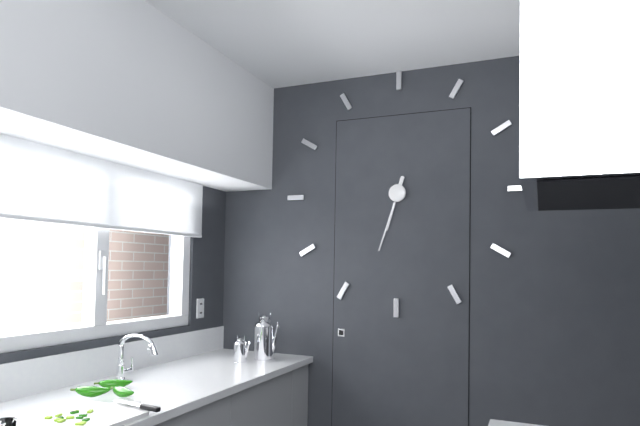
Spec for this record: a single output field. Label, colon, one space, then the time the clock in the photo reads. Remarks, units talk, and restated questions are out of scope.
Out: 6:33
